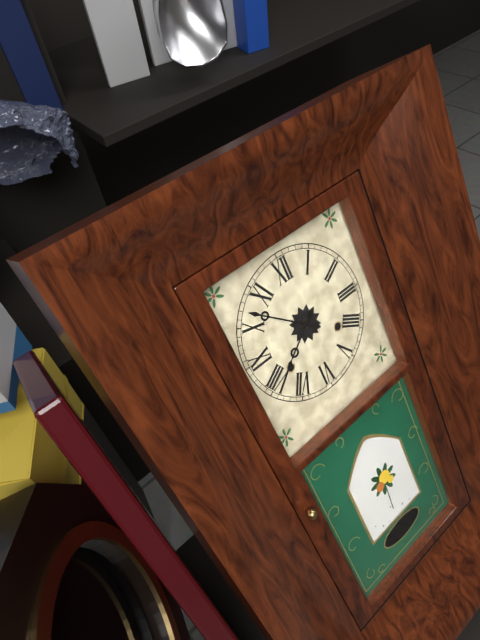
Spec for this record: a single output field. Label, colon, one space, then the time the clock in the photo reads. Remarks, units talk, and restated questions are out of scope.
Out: 7:52
